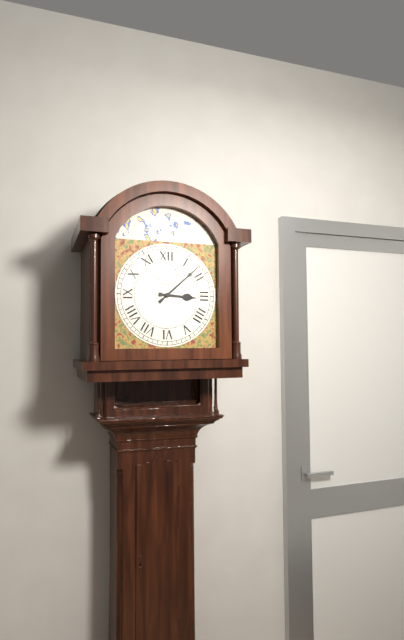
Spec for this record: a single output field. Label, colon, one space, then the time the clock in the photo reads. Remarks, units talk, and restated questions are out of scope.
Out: 3:08
